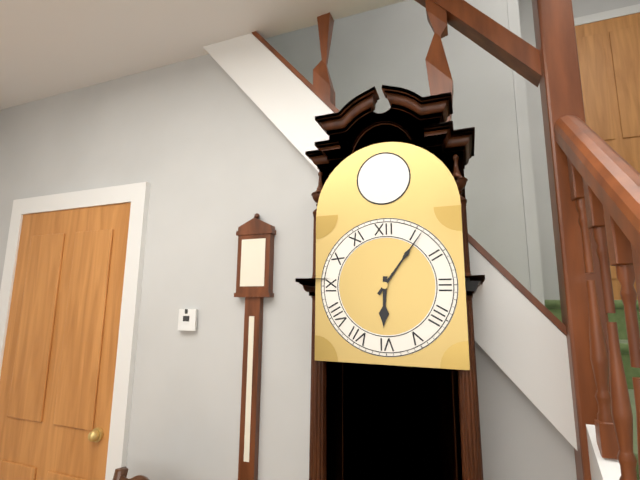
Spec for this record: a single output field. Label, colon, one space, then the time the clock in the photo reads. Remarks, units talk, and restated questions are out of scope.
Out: 6:06
